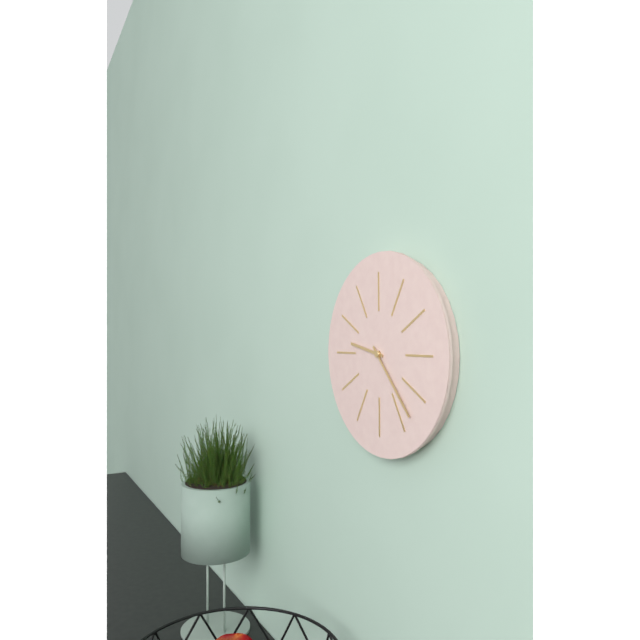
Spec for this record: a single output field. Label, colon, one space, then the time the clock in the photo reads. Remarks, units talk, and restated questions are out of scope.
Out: 9:23
